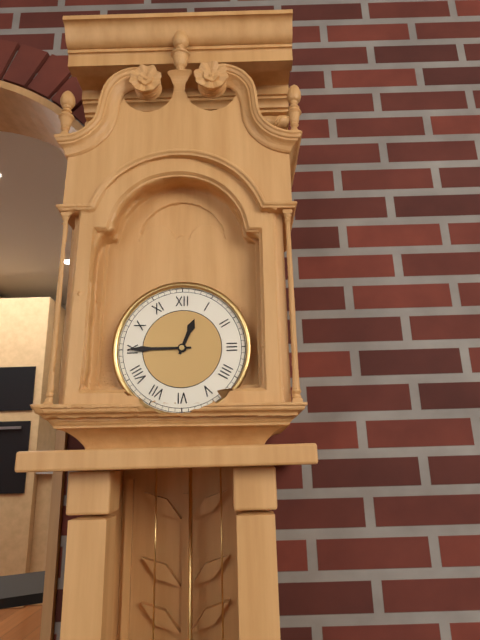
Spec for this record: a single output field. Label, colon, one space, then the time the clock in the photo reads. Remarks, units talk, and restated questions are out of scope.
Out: 12:45
